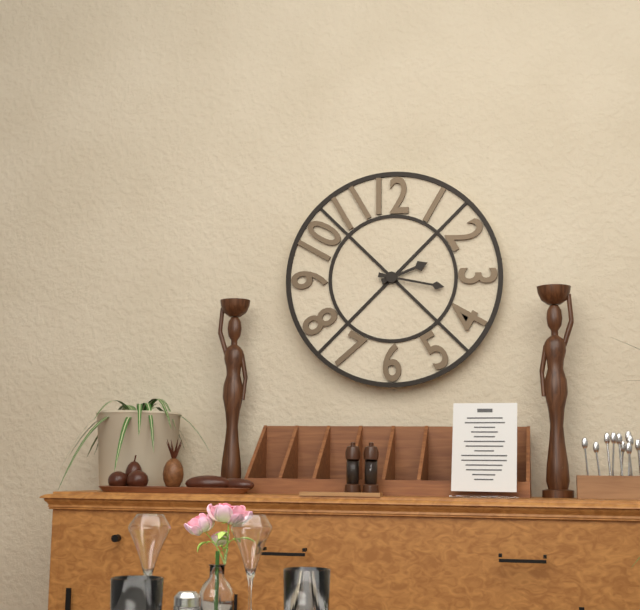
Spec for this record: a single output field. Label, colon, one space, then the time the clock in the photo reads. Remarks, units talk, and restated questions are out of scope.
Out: 2:17
